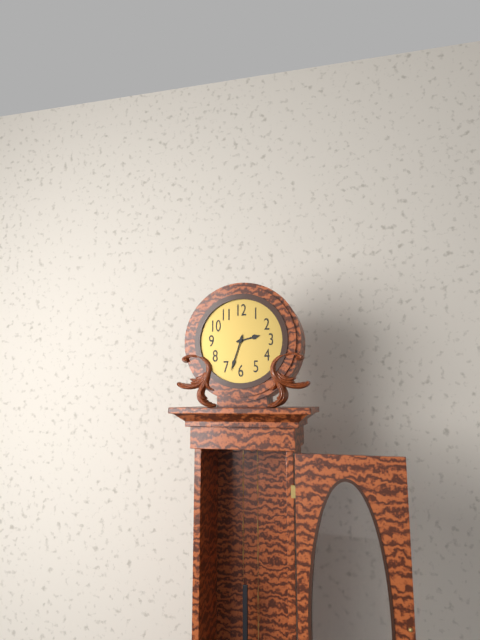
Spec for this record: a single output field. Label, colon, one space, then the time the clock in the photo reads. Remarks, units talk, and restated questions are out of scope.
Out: 2:33
